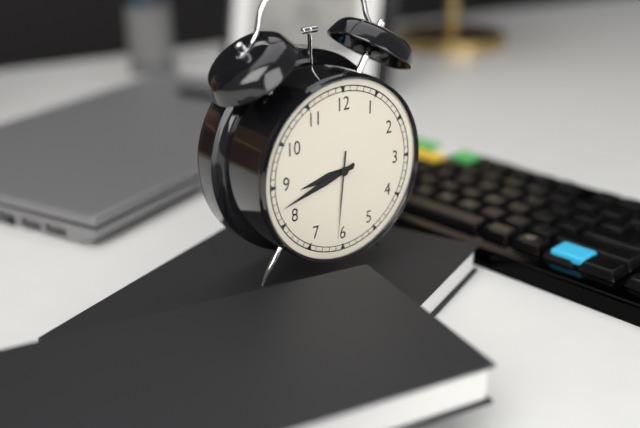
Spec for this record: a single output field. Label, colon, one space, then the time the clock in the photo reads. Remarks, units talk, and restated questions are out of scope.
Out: 8:42:31
